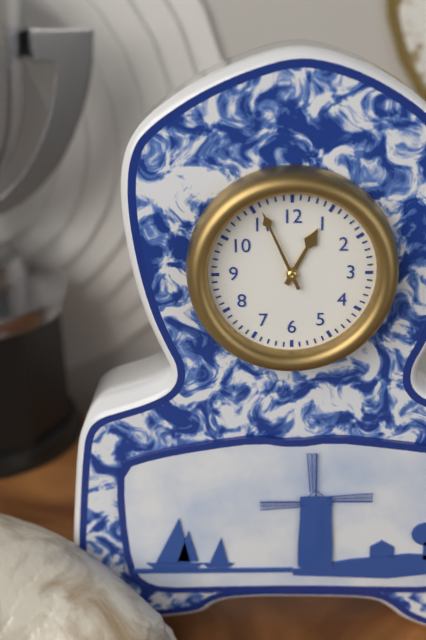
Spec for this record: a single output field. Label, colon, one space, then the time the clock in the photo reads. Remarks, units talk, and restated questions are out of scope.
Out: 12:56
